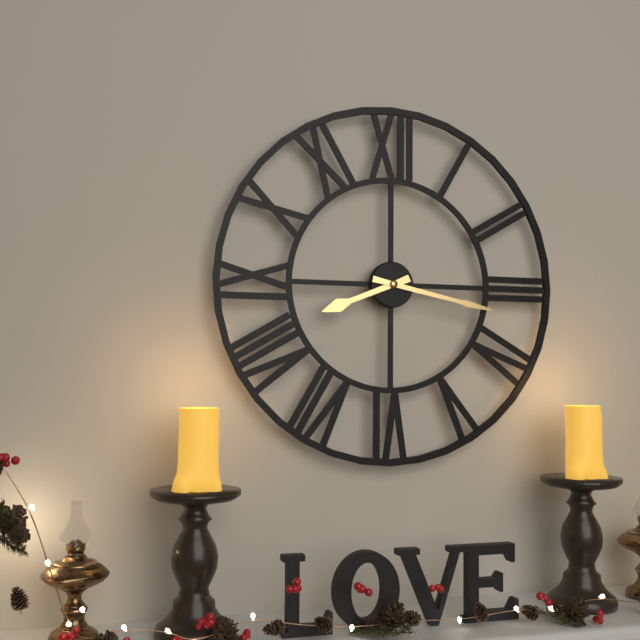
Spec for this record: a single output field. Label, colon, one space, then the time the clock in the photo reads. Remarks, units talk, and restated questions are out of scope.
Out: 8:17
